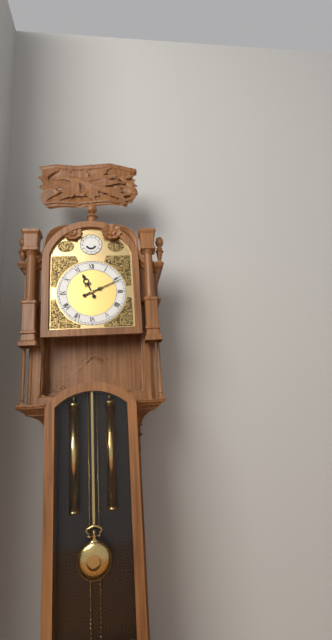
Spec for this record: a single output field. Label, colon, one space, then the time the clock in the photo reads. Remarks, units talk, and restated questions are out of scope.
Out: 11:11
